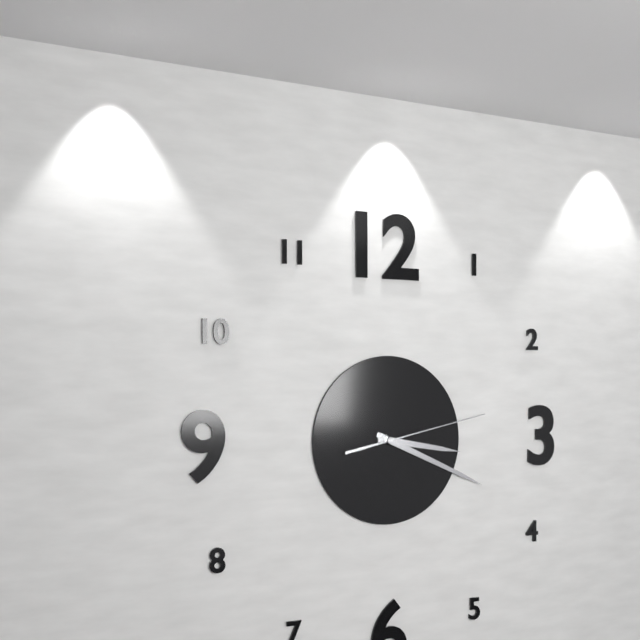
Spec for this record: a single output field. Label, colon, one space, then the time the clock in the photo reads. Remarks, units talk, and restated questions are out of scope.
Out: 3:19:13
